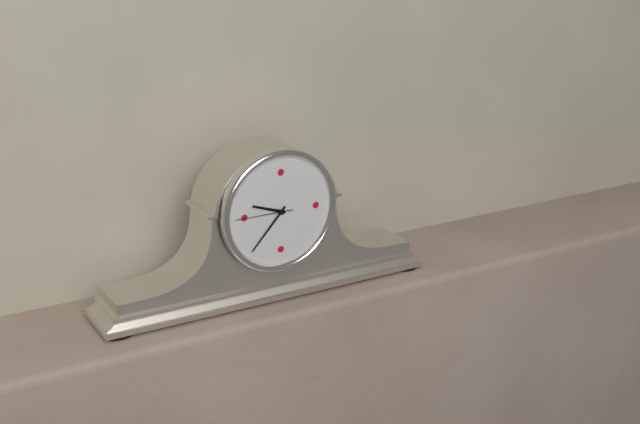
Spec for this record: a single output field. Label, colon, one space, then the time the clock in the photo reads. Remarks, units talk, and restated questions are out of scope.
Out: 9:37:45
